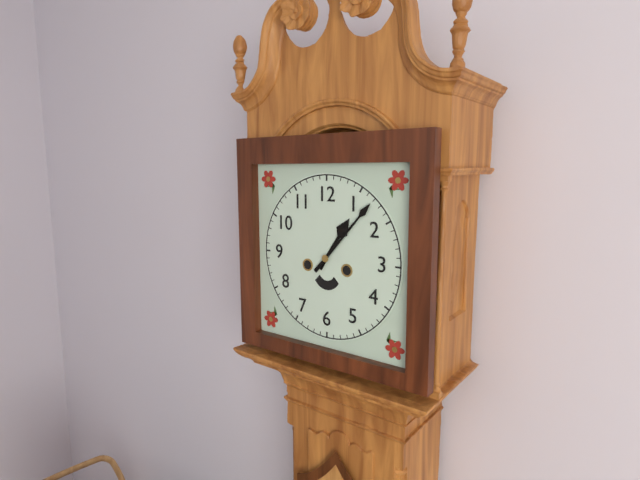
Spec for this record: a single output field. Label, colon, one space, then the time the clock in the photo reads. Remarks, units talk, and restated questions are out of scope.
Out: 1:07
